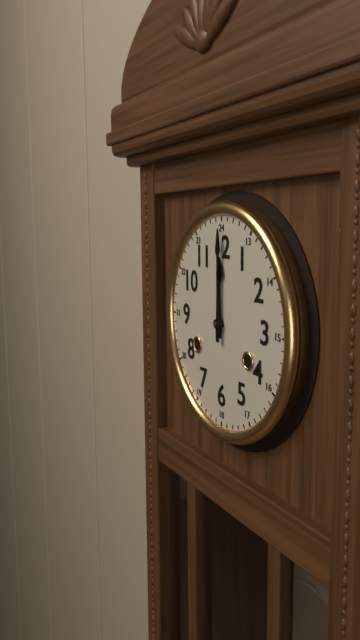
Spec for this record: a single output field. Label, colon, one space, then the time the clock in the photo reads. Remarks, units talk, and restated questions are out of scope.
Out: 12:00
